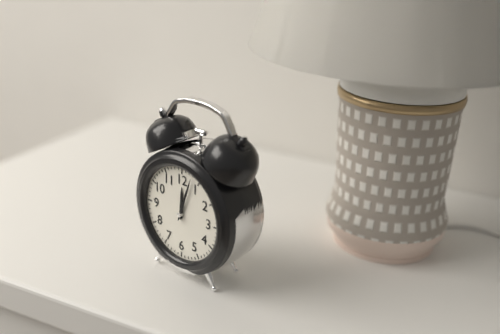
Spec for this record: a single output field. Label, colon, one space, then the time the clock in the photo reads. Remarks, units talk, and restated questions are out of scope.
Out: 12:03
